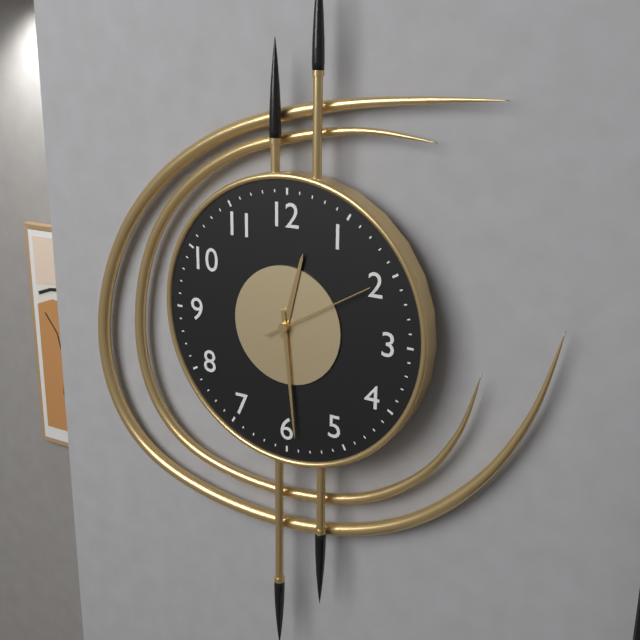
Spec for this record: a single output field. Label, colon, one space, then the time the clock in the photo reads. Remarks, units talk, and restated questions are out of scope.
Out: 12:29:10
